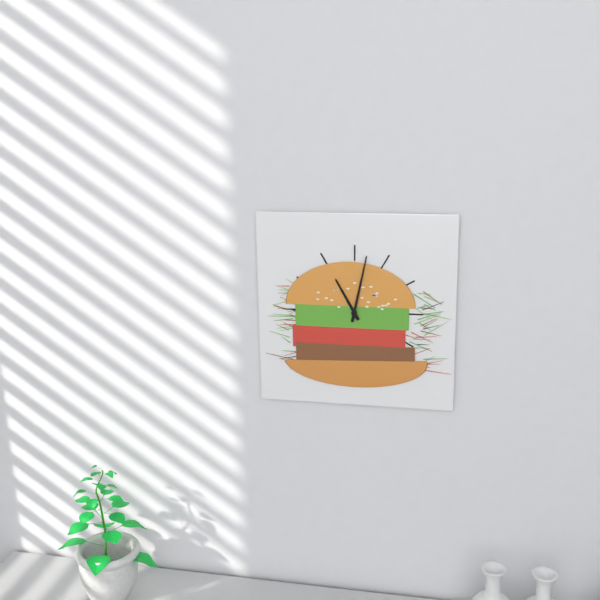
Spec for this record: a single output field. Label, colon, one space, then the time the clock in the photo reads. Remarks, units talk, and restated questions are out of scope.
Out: 11:02
